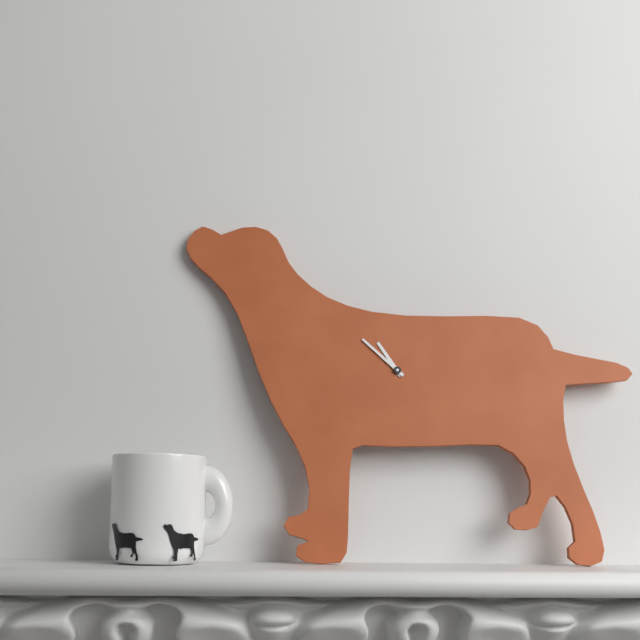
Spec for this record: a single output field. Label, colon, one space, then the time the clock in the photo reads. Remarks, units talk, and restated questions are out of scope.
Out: 10:52
